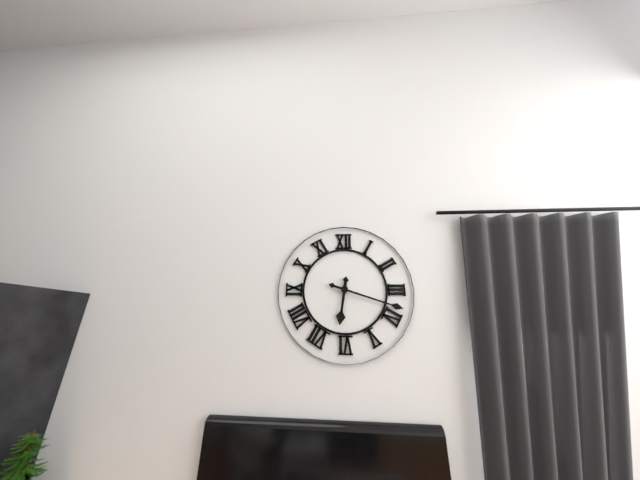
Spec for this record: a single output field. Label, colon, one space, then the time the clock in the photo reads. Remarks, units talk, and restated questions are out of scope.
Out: 6:18
